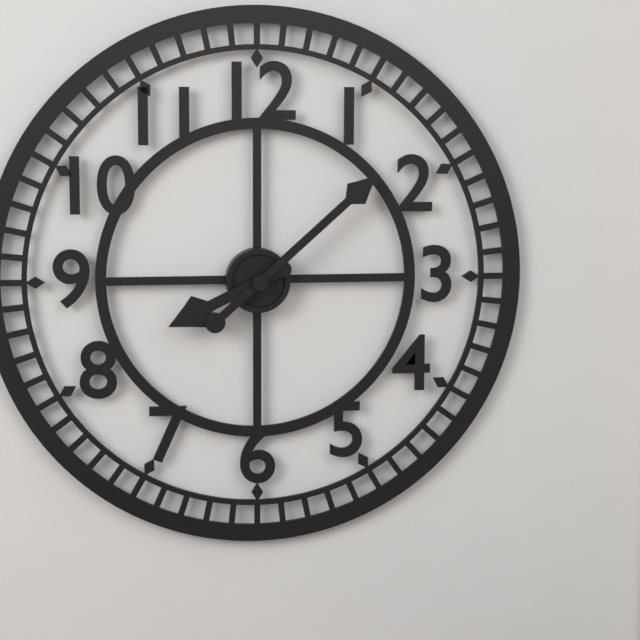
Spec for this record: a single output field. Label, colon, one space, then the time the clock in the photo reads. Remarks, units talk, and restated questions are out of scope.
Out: 8:08
